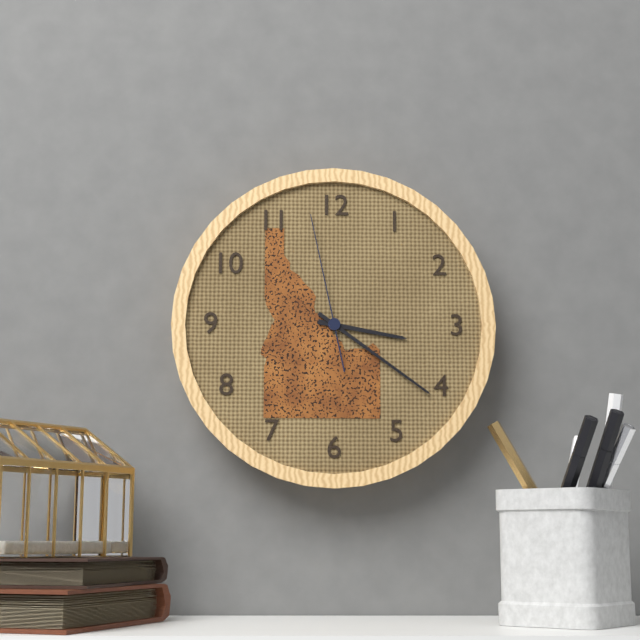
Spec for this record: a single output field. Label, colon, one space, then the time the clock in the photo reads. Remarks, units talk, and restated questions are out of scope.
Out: 3:21:58
